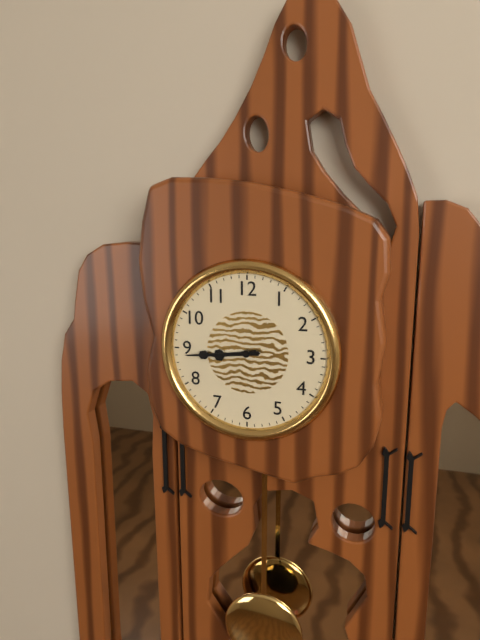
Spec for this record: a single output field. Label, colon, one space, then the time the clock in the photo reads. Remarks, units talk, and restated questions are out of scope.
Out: 8:44
